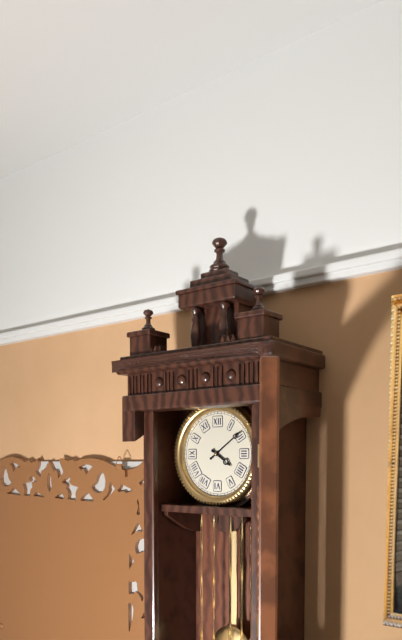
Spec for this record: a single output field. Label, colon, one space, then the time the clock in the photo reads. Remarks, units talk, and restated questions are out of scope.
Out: 4:09
